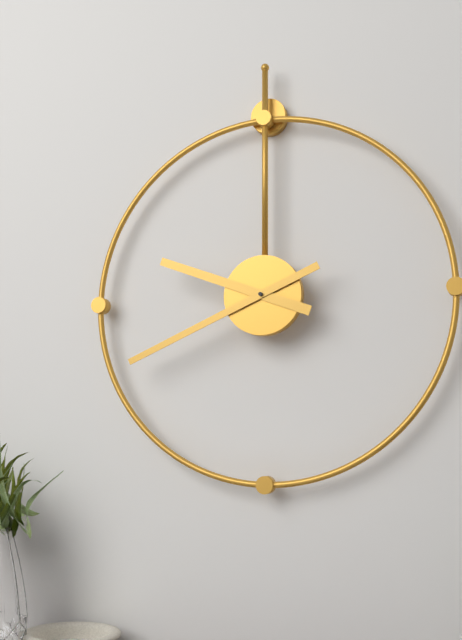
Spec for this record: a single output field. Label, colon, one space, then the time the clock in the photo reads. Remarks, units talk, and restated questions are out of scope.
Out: 9:41
